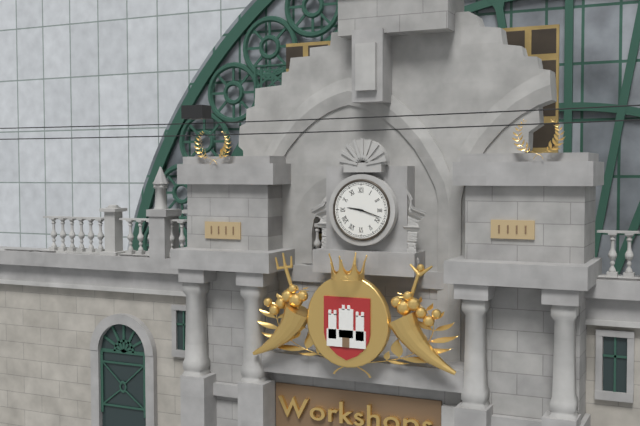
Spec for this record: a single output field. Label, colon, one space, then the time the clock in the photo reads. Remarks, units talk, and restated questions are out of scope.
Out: 9:18
